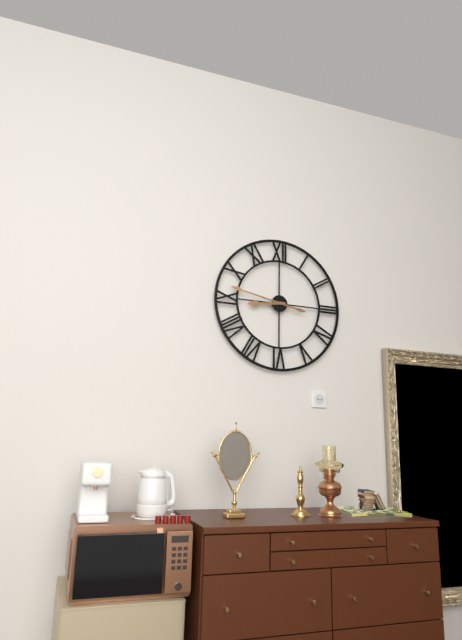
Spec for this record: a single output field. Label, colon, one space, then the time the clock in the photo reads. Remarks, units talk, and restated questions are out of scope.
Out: 8:47
